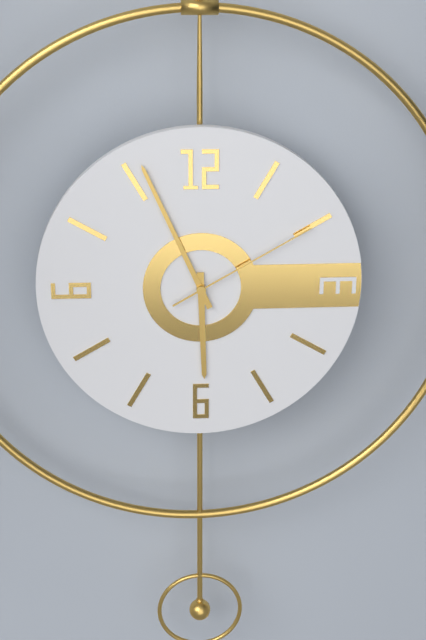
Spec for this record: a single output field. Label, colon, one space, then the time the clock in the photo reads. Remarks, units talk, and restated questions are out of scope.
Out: 5:56:10
